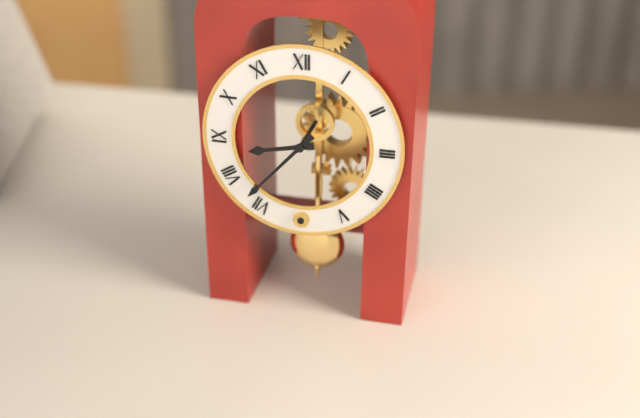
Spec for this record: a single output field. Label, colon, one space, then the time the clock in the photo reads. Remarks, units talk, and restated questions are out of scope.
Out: 8:37
